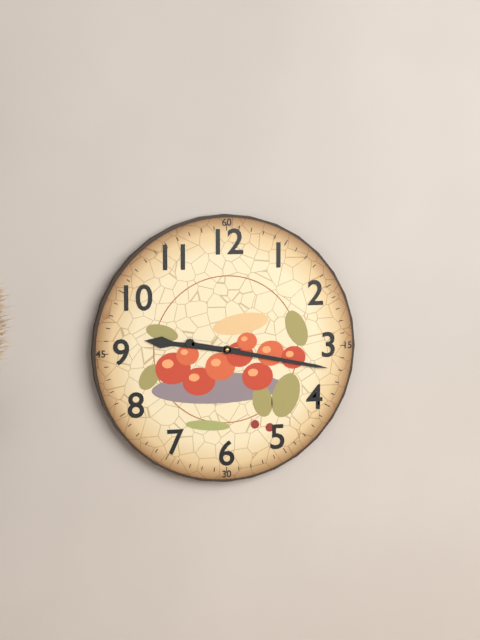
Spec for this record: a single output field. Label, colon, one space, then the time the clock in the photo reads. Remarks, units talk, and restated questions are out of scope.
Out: 9:17
